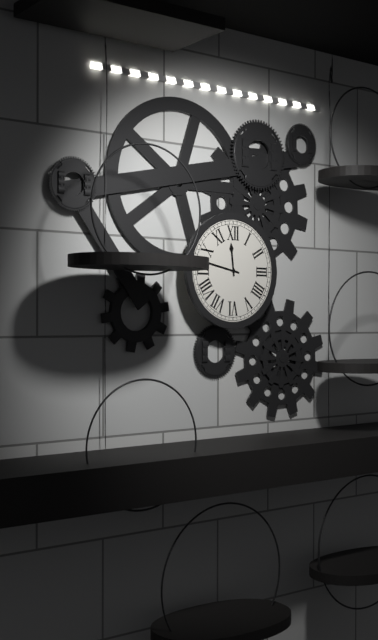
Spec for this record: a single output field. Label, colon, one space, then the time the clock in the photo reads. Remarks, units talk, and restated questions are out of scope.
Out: 11:47
